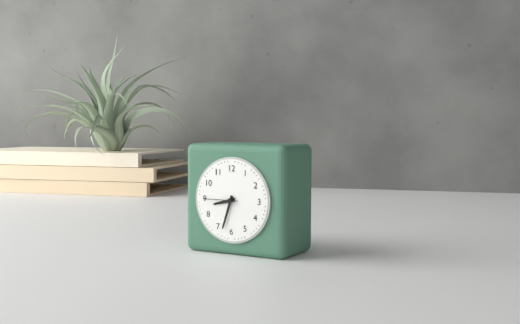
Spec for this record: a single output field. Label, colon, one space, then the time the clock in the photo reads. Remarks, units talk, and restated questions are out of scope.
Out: 8:33
